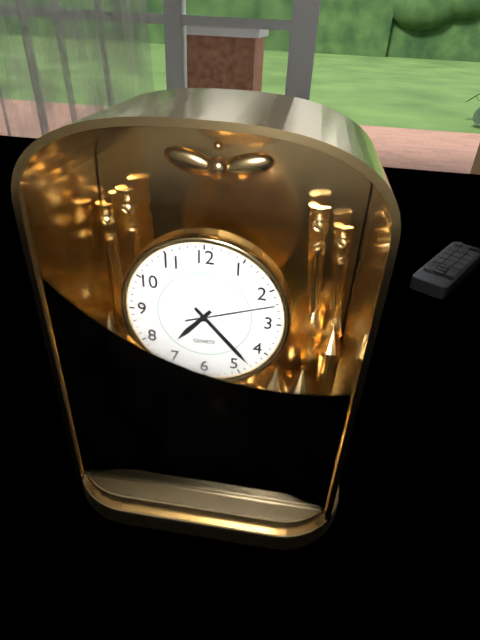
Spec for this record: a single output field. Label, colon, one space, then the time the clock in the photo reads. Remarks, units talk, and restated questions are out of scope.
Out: 7:23:12
